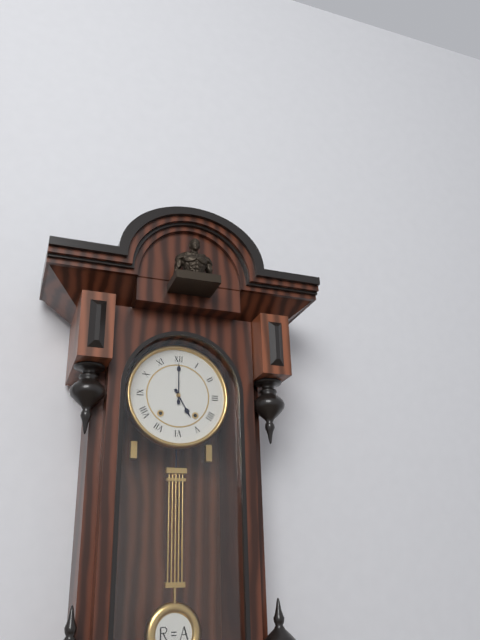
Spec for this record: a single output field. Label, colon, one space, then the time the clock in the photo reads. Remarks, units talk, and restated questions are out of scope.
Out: 5:00
